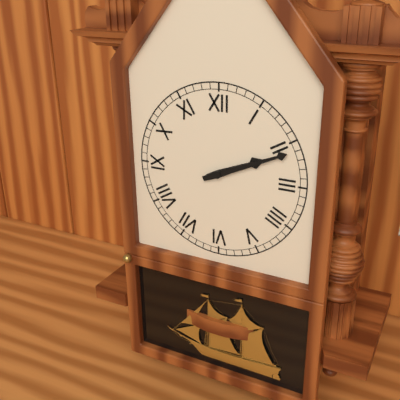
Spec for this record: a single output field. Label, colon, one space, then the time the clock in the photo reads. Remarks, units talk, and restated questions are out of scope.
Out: 2:11
